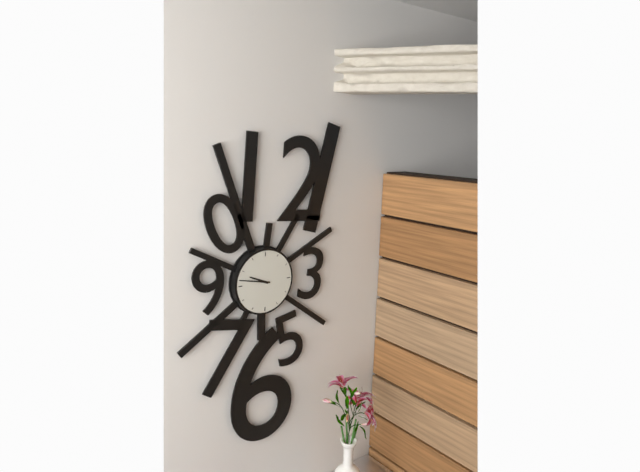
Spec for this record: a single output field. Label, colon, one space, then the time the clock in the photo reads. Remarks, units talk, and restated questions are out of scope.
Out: 9:47
